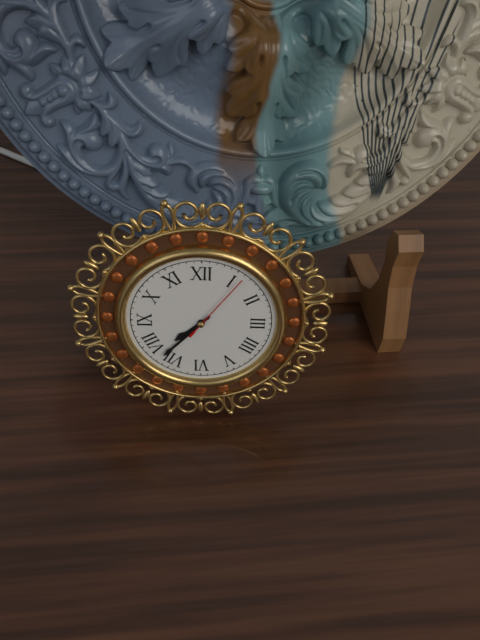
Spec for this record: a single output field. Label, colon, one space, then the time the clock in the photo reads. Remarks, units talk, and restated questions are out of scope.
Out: 7:37:06
